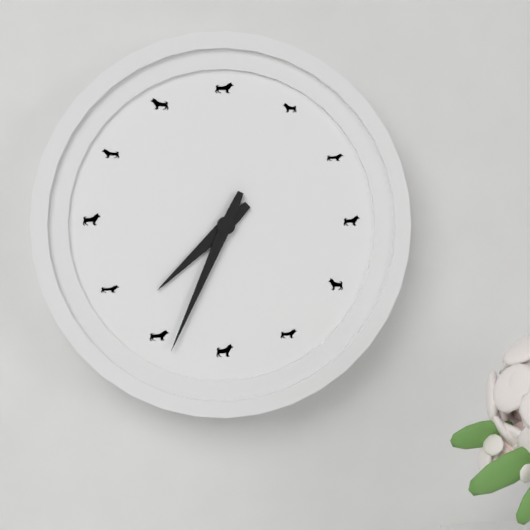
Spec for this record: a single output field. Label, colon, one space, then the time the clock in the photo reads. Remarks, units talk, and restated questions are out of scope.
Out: 7:34
